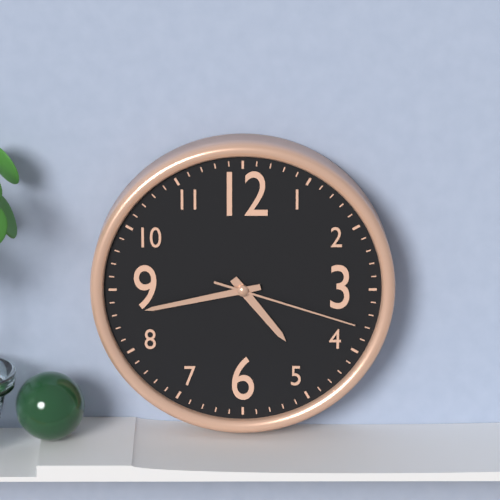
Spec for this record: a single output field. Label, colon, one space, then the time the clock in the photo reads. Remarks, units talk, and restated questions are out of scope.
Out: 4:43:18
